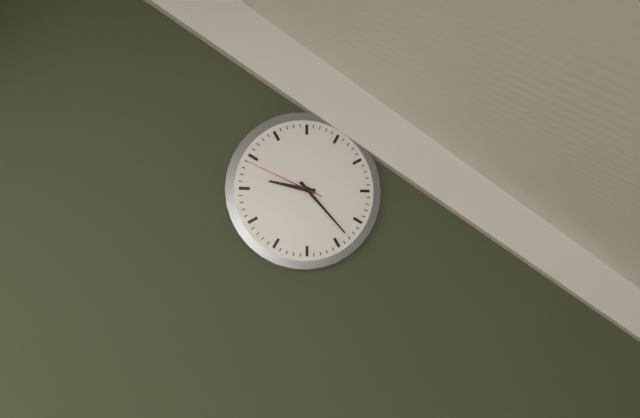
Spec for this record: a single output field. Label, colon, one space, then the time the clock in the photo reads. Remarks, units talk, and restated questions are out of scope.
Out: 9:23:49
